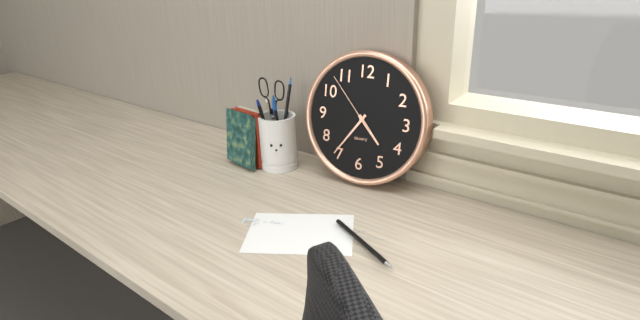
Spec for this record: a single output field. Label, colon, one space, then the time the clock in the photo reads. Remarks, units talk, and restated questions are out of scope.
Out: 4:36:53
